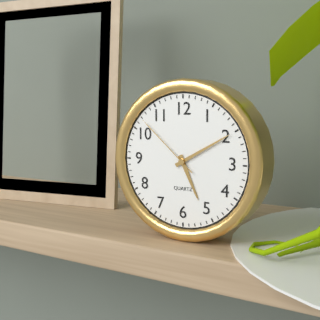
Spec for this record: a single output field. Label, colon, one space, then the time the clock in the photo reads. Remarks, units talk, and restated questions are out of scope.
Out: 5:10:52
